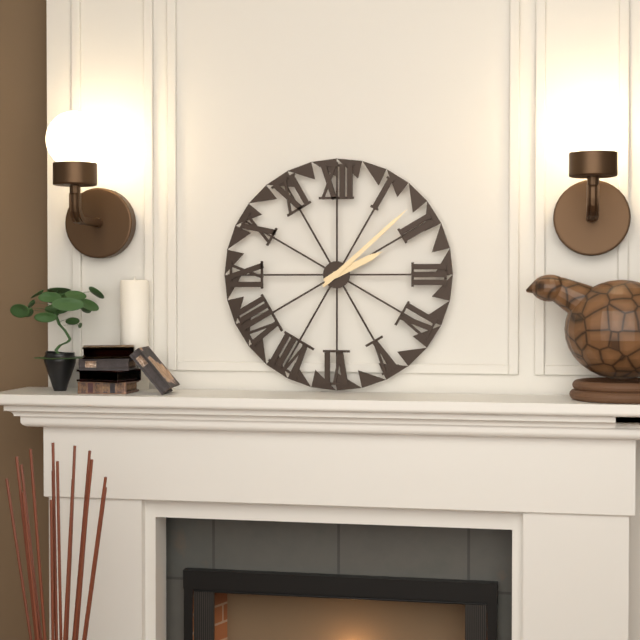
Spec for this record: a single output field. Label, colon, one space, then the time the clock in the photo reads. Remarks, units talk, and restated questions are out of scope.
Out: 2:08
